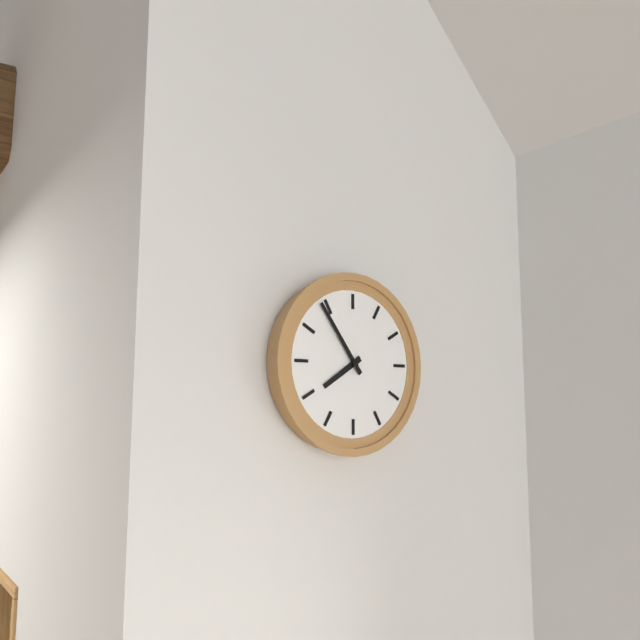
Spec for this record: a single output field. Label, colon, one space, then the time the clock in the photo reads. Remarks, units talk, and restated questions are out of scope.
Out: 7:54
